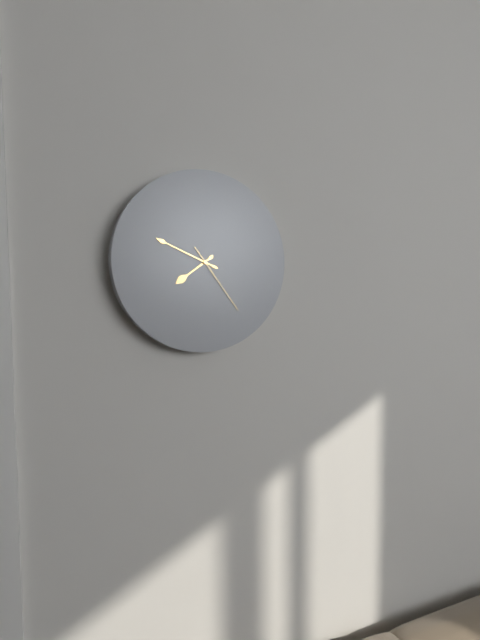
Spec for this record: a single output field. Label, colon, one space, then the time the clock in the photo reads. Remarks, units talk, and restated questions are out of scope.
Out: 7:49:24
